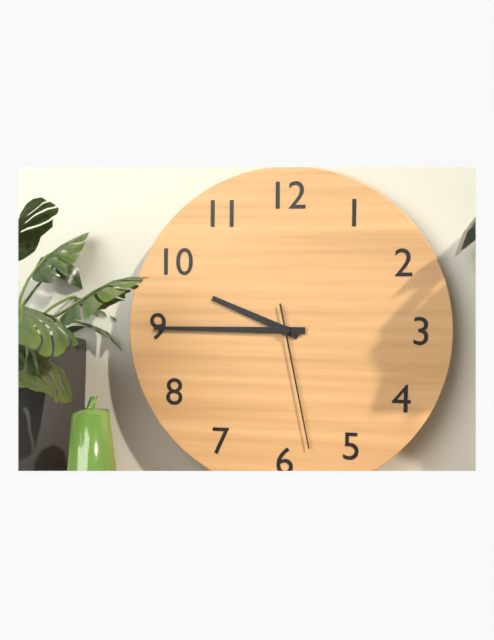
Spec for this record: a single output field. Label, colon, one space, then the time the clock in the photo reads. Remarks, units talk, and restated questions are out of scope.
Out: 9:45:28
